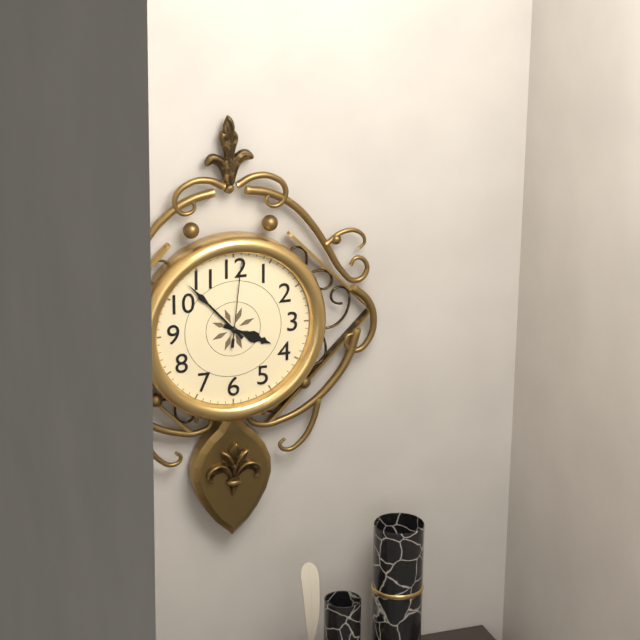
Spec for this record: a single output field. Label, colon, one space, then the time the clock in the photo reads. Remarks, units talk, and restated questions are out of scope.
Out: 3:53:01
